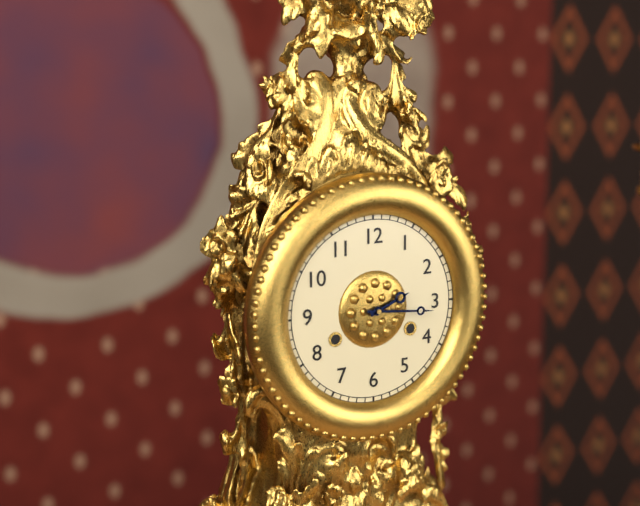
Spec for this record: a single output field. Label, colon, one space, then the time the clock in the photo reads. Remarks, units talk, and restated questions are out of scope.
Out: 2:16
